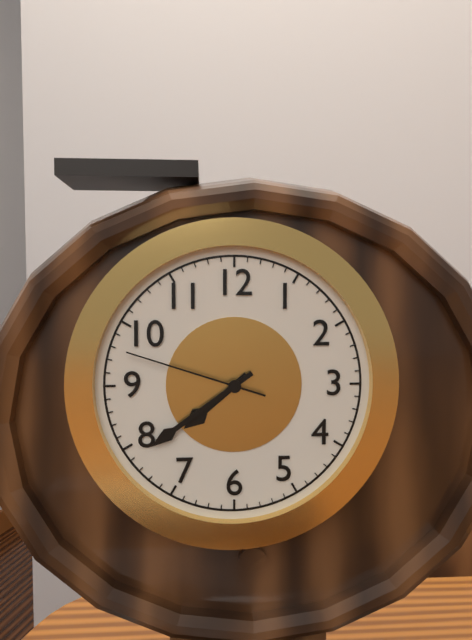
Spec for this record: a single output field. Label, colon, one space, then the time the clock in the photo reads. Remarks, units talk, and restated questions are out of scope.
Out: 7:39:48
